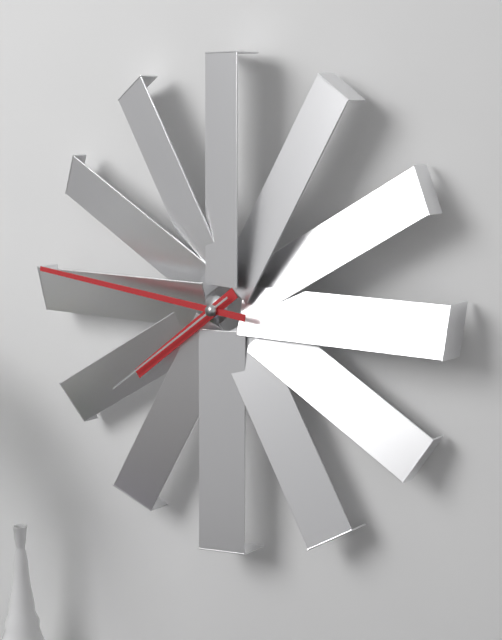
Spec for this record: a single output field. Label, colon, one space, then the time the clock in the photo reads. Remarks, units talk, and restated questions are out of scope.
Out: 7:46:39
